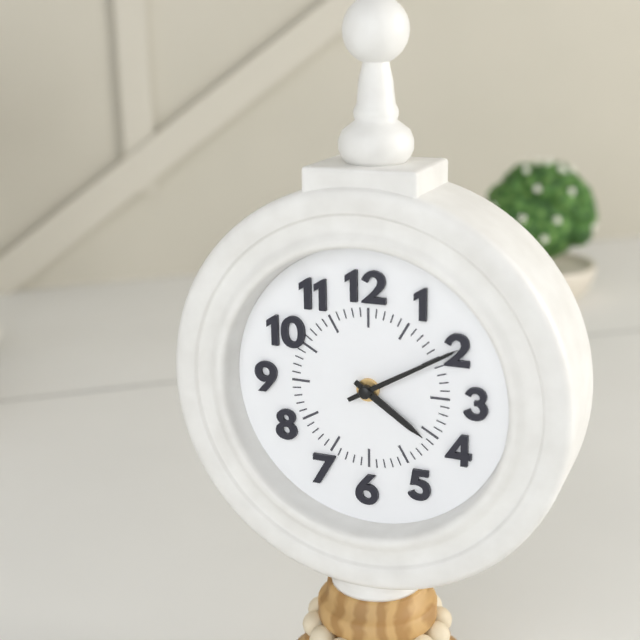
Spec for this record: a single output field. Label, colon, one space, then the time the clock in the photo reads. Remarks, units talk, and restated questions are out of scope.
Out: 4:10
